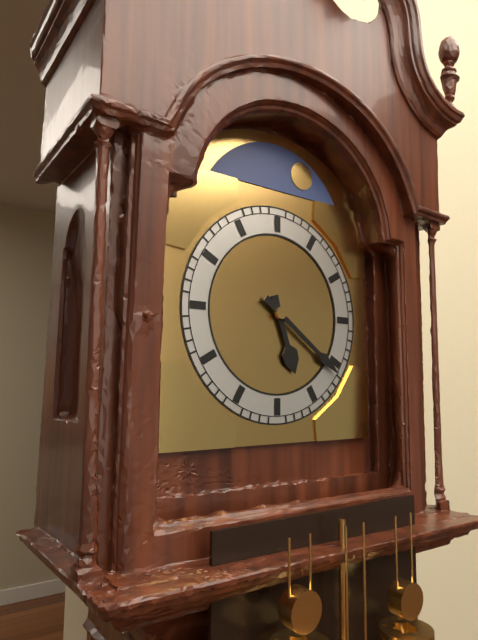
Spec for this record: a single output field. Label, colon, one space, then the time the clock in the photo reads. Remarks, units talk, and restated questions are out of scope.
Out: 5:21
